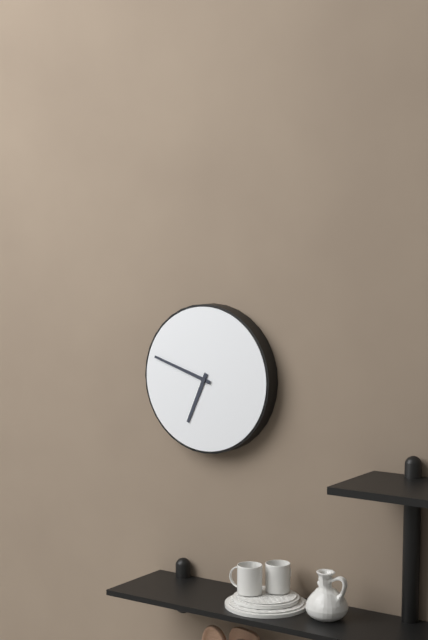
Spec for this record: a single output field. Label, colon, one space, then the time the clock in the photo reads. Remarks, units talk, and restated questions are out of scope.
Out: 6:48
